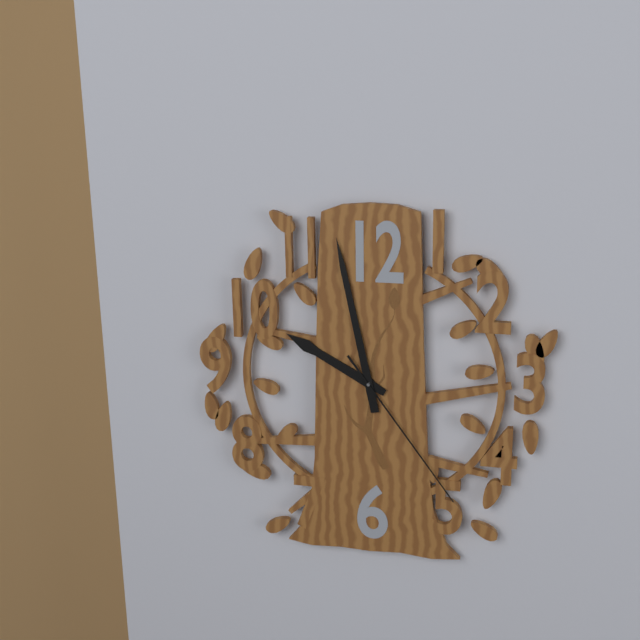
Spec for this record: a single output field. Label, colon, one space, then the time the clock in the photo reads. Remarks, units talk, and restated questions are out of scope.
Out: 9:58:24
